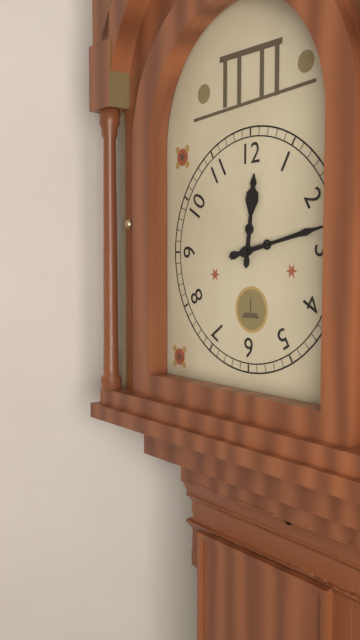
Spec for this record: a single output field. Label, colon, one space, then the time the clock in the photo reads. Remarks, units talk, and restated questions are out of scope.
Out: 12:13
